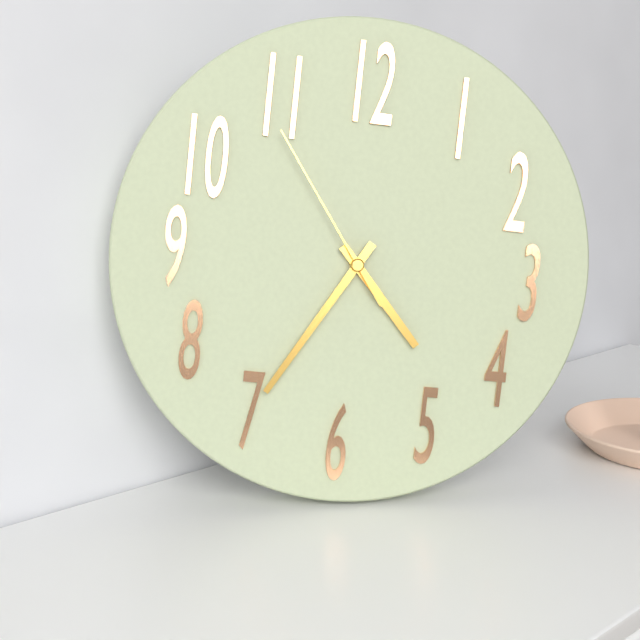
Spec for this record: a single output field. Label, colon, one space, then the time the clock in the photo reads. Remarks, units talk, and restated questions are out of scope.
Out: 4:35:54
